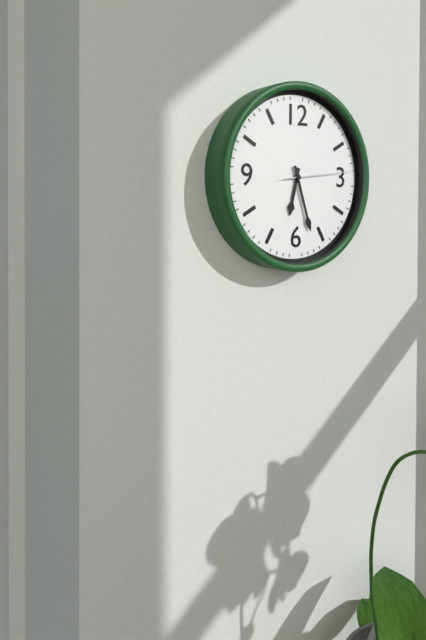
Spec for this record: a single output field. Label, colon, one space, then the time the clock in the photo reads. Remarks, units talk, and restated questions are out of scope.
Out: 6:27:14
